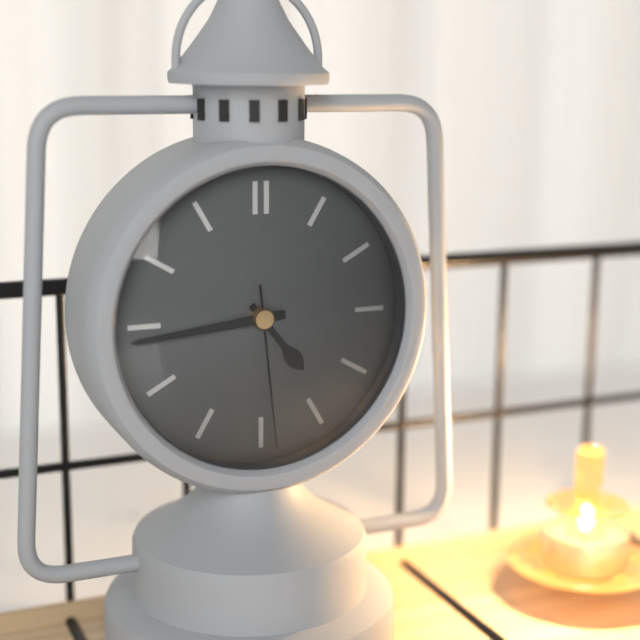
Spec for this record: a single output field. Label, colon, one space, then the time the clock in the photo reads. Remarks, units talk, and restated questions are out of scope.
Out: 4:44:29
